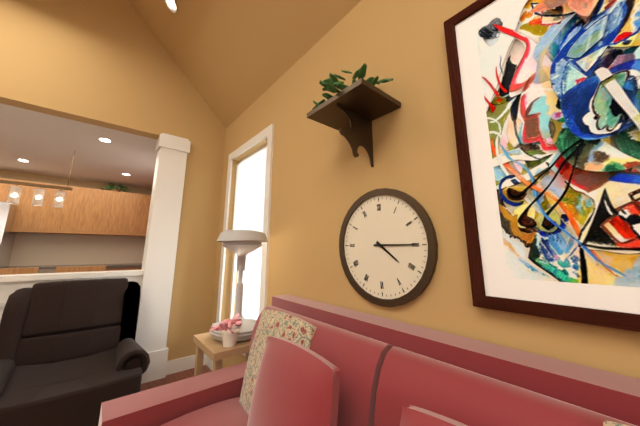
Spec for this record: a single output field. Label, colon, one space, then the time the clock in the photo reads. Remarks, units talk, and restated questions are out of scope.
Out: 4:15
